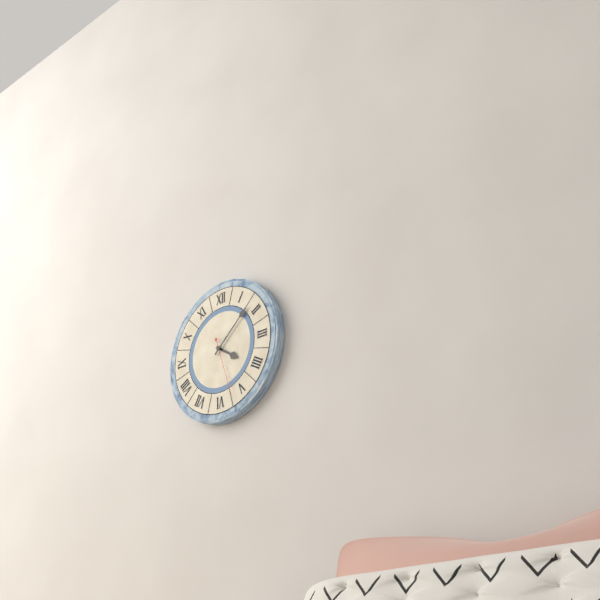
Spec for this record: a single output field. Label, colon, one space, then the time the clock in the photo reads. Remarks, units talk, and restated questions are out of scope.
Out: 4:08:27
